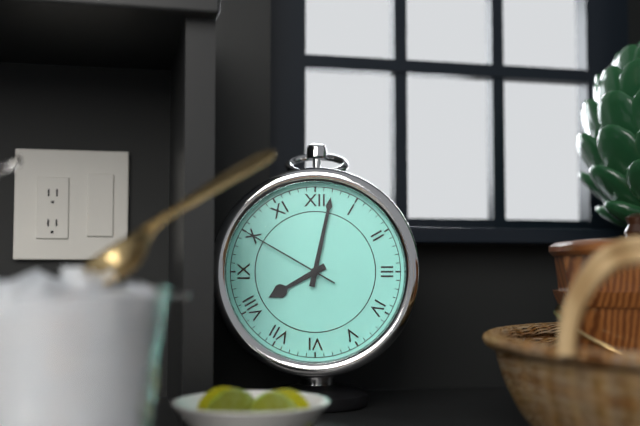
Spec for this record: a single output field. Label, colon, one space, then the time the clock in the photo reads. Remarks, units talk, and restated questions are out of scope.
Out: 8:02:50
